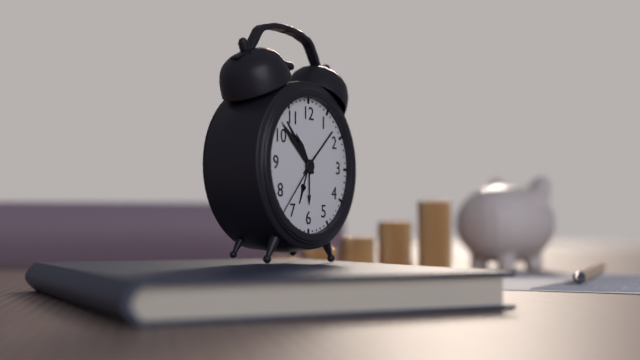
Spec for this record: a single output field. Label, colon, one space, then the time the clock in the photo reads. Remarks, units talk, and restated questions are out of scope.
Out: 10:52:37
